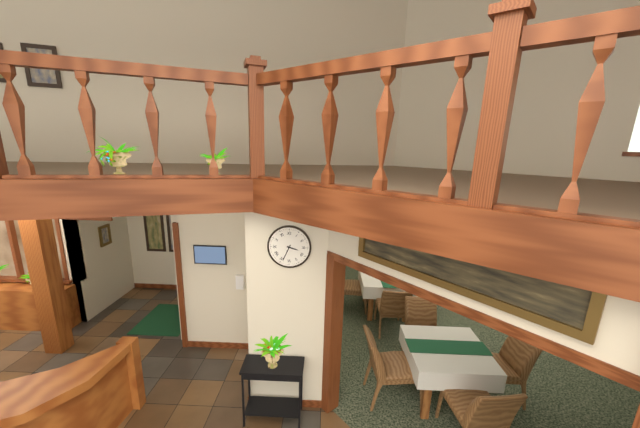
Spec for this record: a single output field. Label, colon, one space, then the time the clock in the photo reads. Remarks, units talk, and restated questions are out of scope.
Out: 3:34
